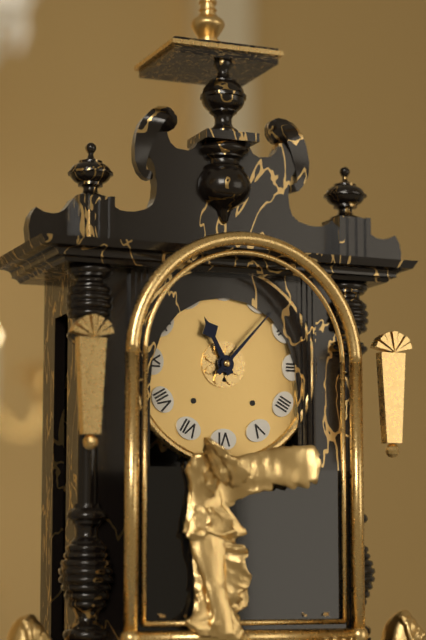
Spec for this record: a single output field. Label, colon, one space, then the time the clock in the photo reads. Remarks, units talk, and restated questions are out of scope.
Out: 11:07
